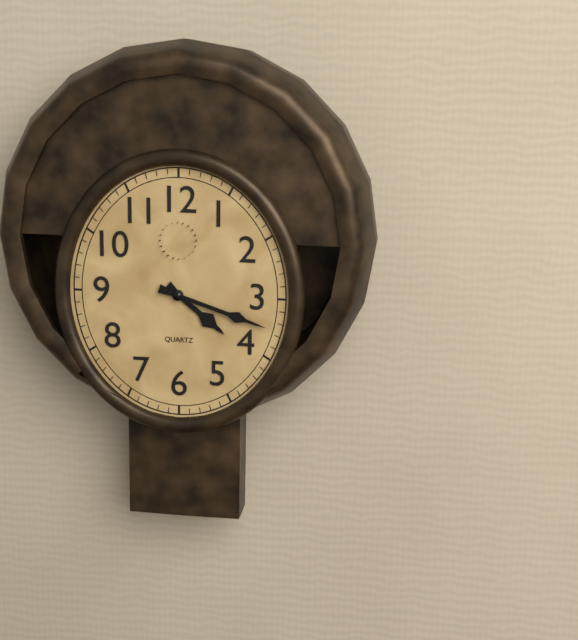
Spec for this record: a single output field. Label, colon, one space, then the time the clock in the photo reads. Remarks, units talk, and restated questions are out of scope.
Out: 4:18
